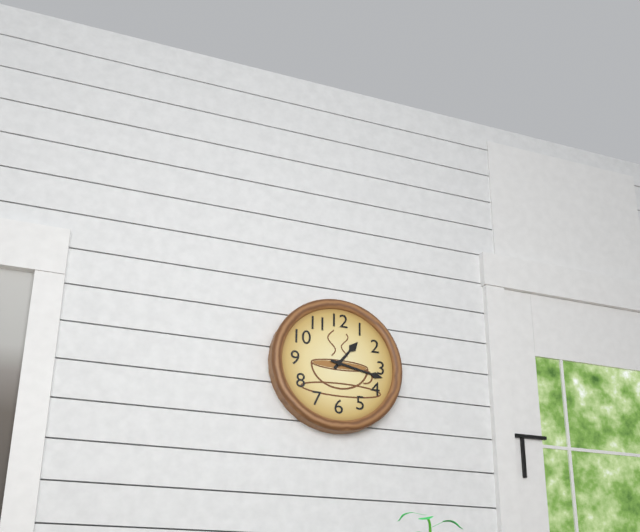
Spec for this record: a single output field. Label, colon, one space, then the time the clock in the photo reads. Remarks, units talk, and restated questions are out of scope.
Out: 1:17
